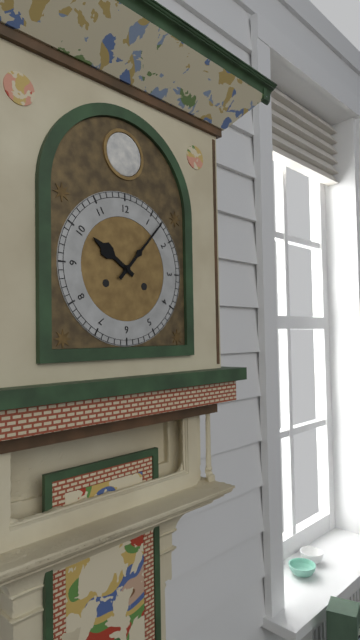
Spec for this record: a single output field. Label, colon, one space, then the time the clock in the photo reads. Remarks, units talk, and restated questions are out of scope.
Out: 10:07
